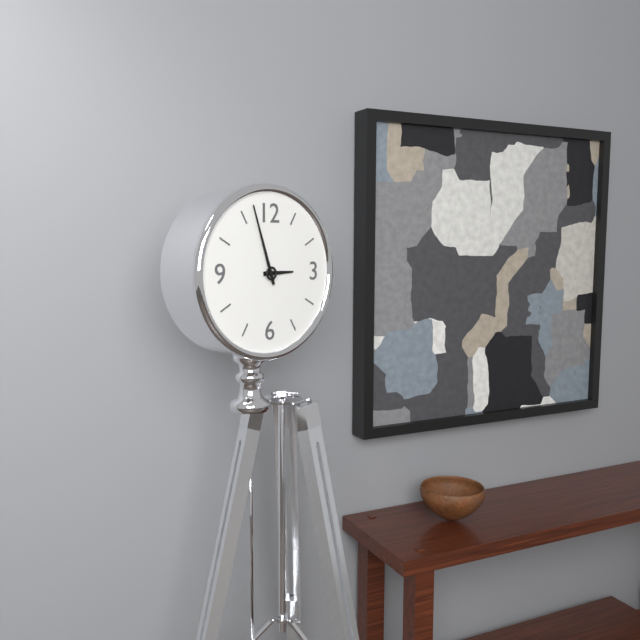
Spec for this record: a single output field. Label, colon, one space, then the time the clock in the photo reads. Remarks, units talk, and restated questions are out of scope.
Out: 2:57
